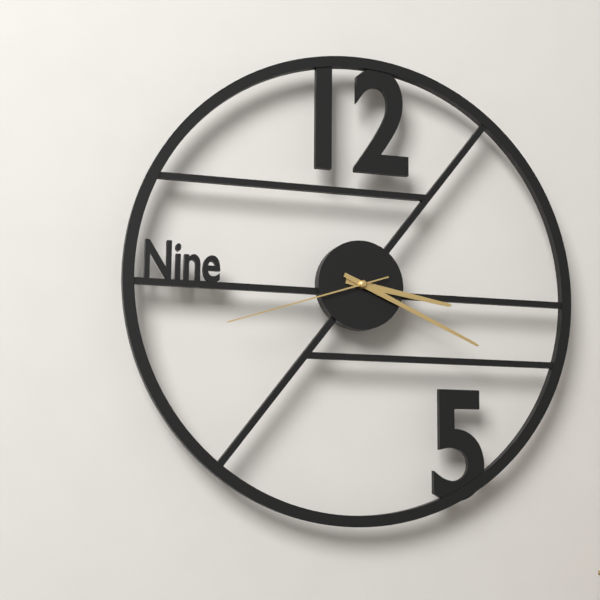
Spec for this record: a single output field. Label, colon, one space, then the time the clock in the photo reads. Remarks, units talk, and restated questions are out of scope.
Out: 3:19:42
